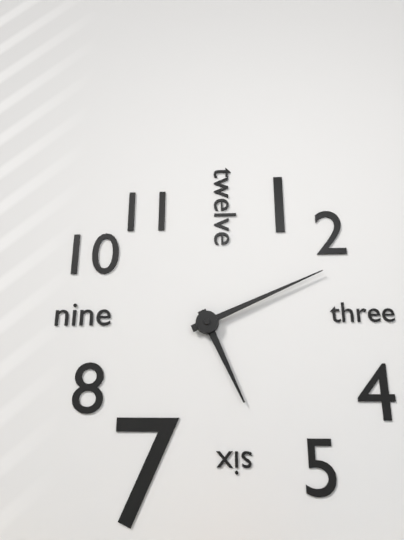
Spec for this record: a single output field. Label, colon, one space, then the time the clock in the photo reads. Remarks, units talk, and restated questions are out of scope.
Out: 5:11
